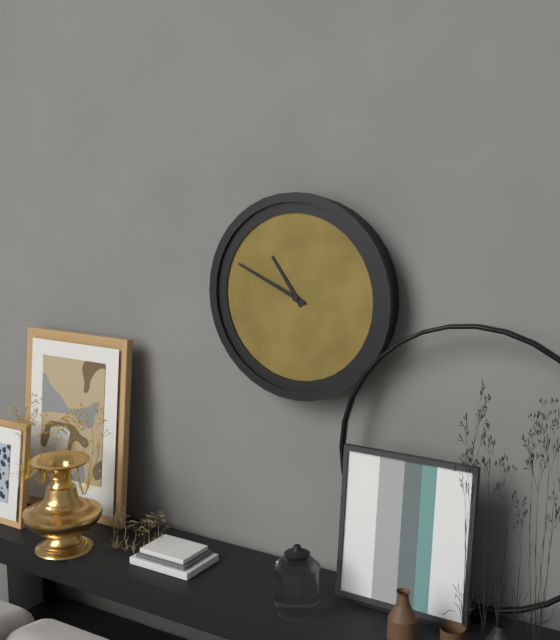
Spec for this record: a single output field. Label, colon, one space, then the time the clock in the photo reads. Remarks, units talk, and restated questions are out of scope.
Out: 10:49
